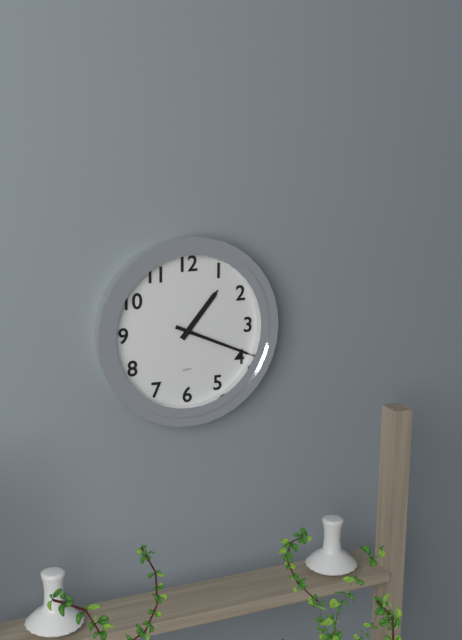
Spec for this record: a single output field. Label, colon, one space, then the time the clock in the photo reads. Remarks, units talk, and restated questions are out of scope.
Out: 1:19
